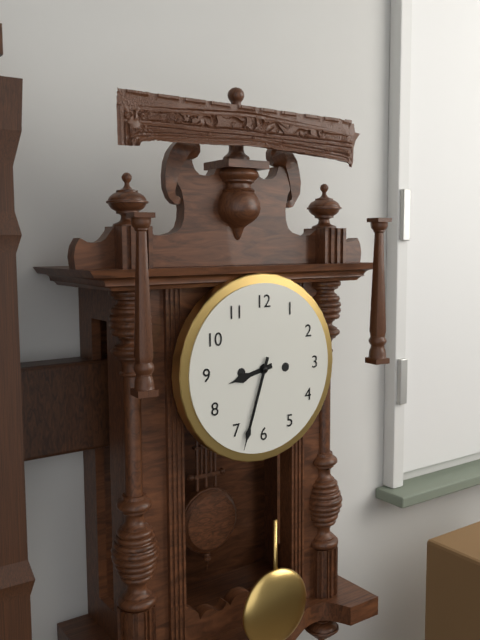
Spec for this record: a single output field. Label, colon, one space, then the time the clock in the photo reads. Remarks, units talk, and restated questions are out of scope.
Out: 8:33
